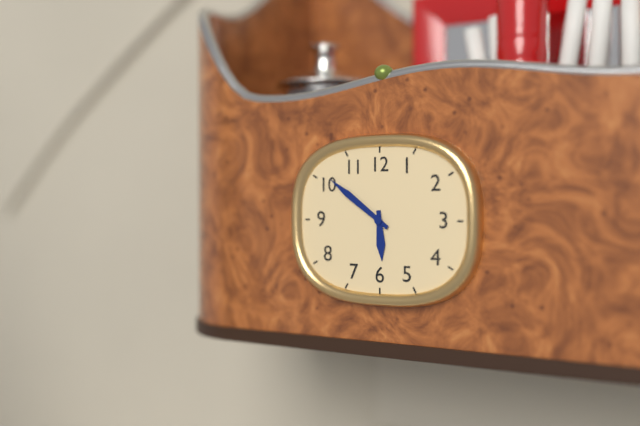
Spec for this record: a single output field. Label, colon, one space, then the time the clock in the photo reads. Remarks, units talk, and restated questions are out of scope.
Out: 5:51
